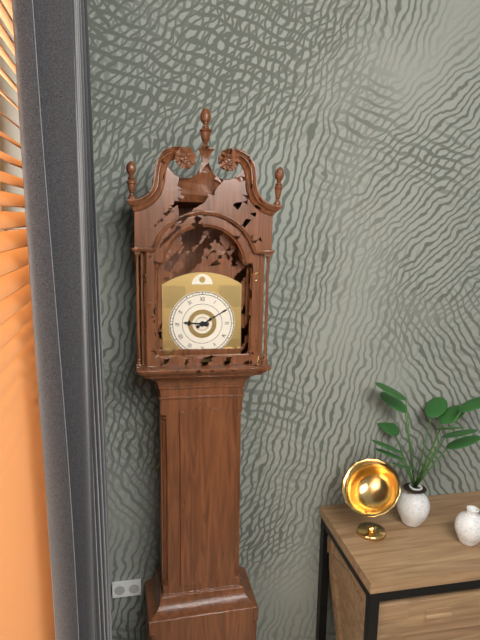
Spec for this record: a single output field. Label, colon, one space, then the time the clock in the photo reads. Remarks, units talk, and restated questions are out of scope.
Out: 9:10
